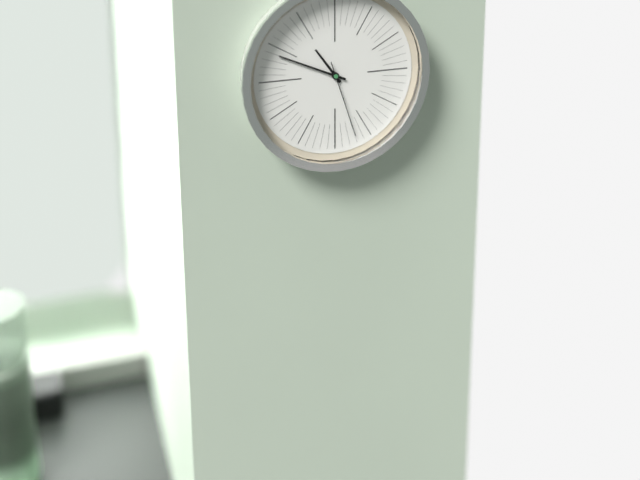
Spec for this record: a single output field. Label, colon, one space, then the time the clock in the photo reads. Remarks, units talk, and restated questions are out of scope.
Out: 10:49:27
